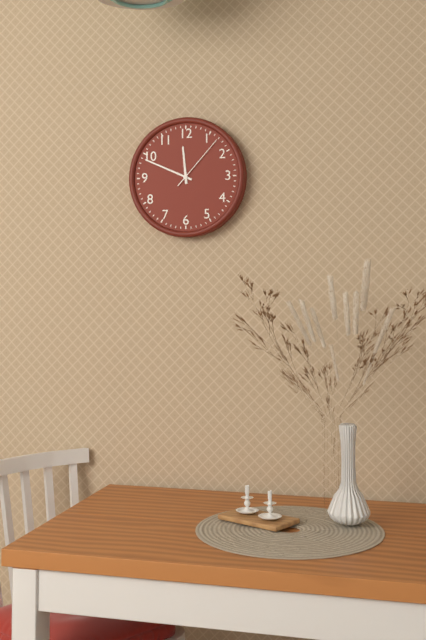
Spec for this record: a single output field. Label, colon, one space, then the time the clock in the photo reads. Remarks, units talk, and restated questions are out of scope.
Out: 11:49:07
